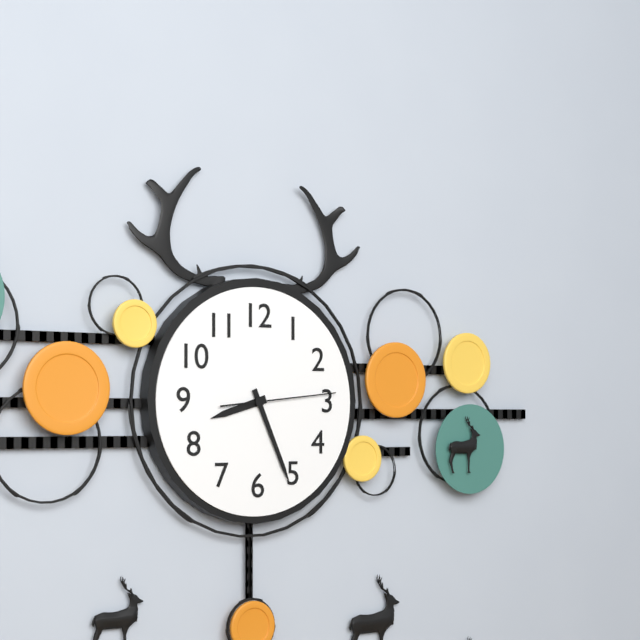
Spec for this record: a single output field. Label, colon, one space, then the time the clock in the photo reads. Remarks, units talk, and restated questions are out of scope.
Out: 8:26:14
